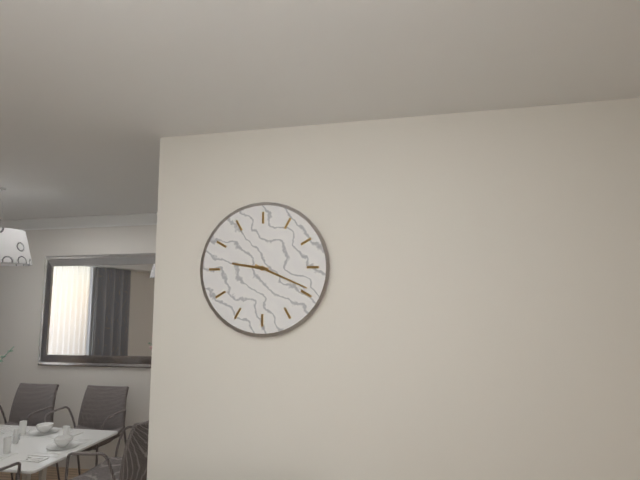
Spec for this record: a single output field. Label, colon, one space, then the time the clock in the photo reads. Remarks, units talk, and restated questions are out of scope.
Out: 9:19
